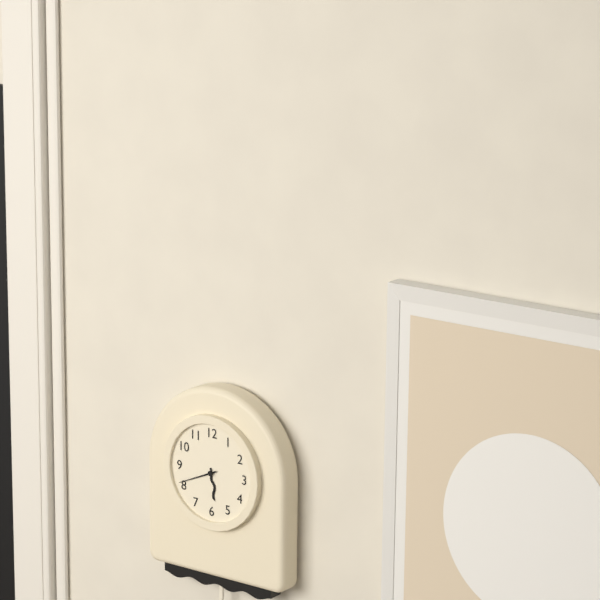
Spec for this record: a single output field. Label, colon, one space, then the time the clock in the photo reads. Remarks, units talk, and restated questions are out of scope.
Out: 5:41
